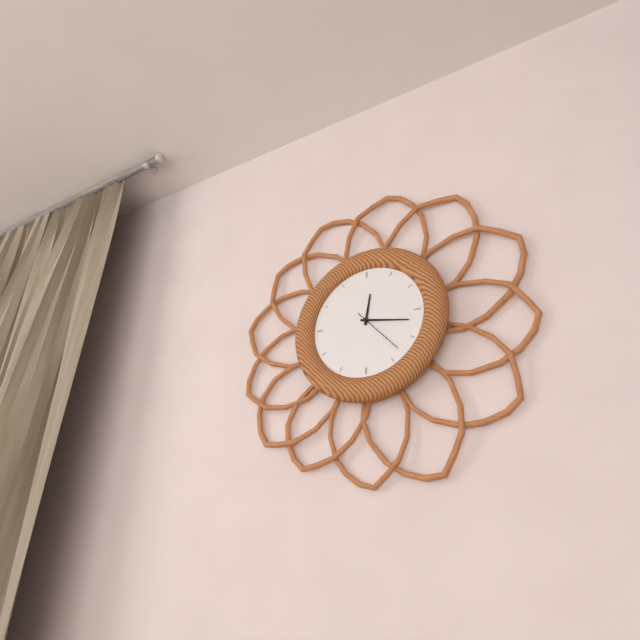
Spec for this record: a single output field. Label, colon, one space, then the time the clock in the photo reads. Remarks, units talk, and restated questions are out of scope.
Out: 12:17
